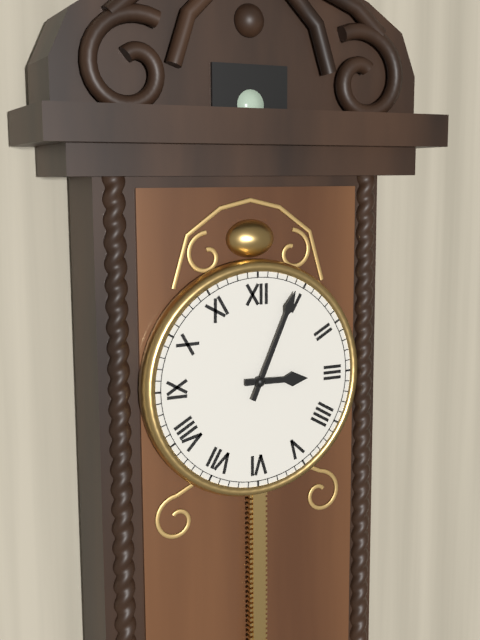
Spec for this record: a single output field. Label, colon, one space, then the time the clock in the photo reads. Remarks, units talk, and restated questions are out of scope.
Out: 3:04
